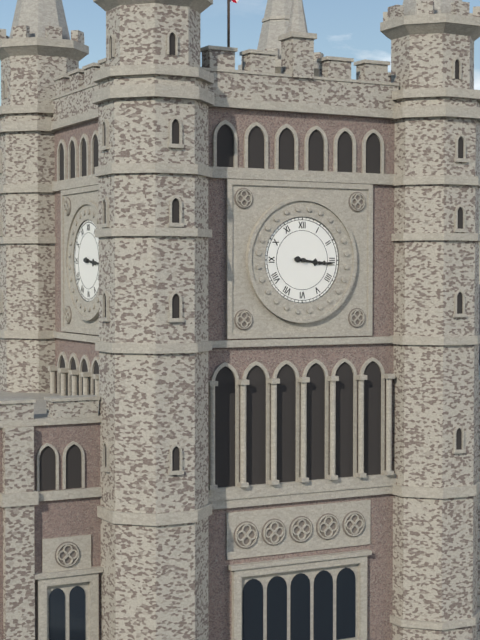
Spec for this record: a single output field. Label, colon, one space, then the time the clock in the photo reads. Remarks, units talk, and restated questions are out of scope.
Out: 3:16
